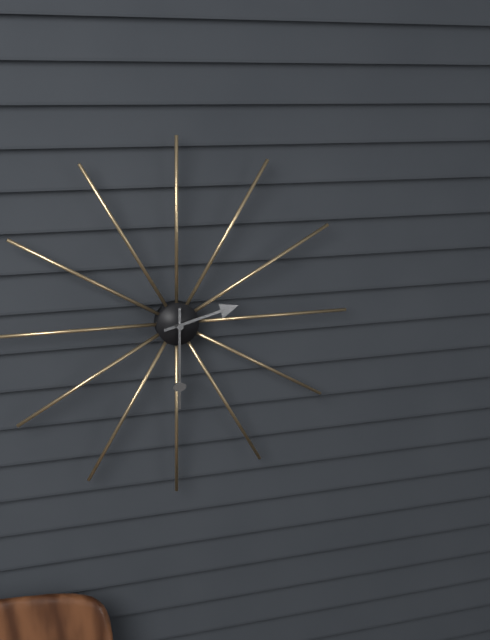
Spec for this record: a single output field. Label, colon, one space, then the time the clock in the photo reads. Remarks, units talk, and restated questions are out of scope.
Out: 2:30
